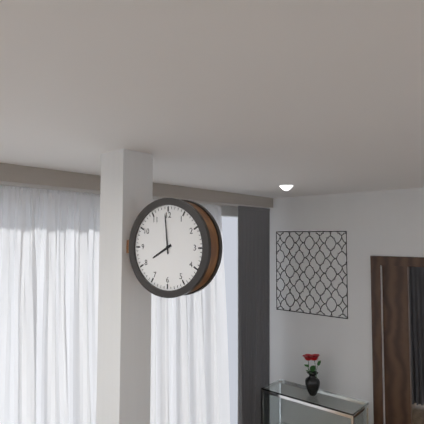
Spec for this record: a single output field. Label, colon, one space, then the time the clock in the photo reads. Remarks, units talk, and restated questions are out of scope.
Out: 7:59
